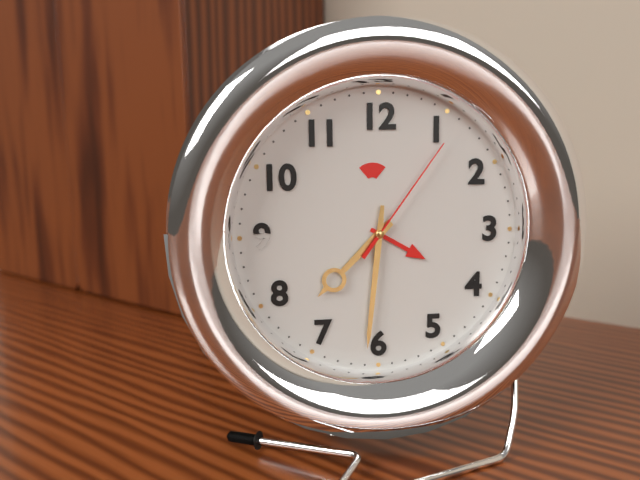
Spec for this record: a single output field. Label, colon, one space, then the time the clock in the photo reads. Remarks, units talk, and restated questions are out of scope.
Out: 7:31:06
